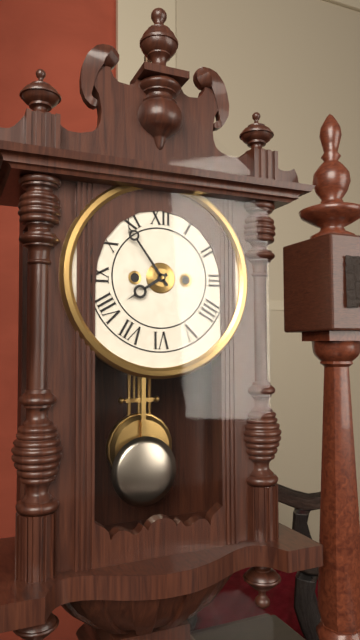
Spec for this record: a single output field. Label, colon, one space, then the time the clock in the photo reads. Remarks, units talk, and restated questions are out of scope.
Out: 7:54
